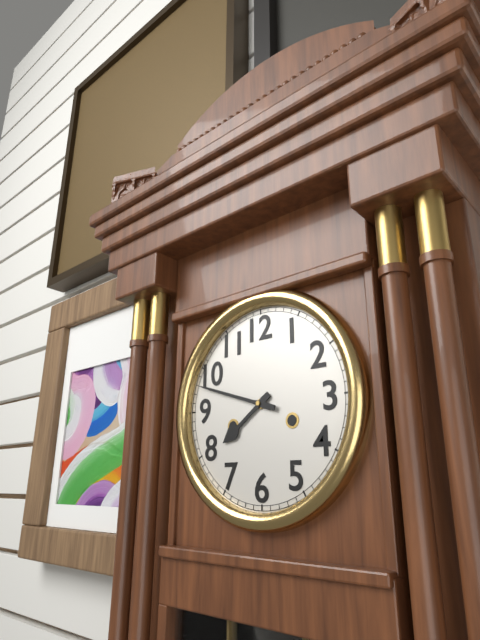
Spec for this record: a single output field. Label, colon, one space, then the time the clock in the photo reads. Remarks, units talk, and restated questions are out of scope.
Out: 7:48
